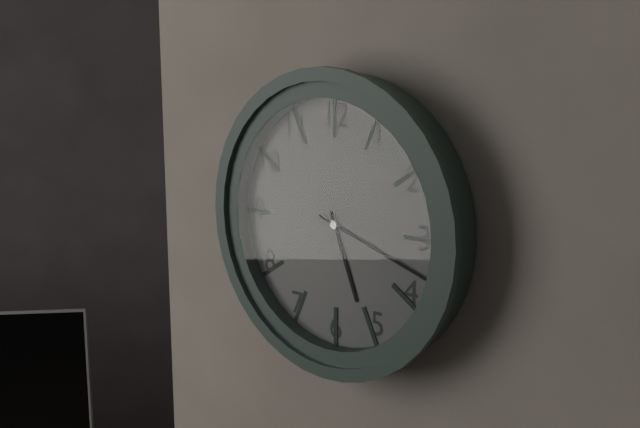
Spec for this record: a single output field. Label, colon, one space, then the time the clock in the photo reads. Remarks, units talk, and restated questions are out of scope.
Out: 5:18
